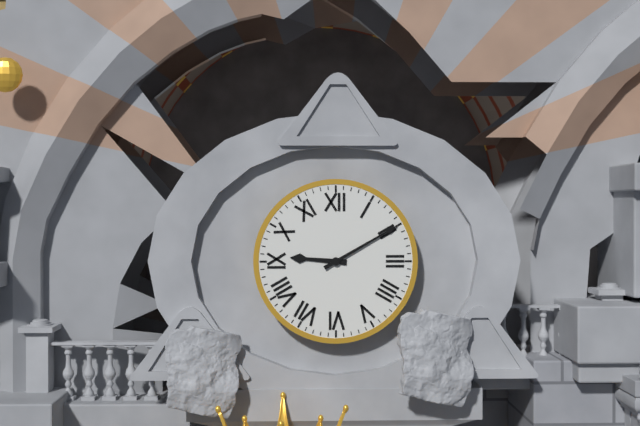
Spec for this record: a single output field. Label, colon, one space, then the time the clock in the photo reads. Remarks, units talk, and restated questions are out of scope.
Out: 9:10
